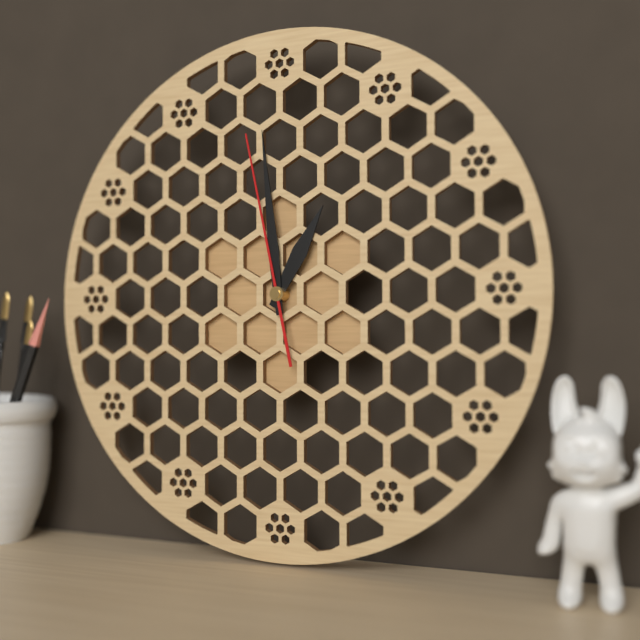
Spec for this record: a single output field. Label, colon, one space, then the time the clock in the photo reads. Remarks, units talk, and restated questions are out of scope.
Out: 12:59:58
